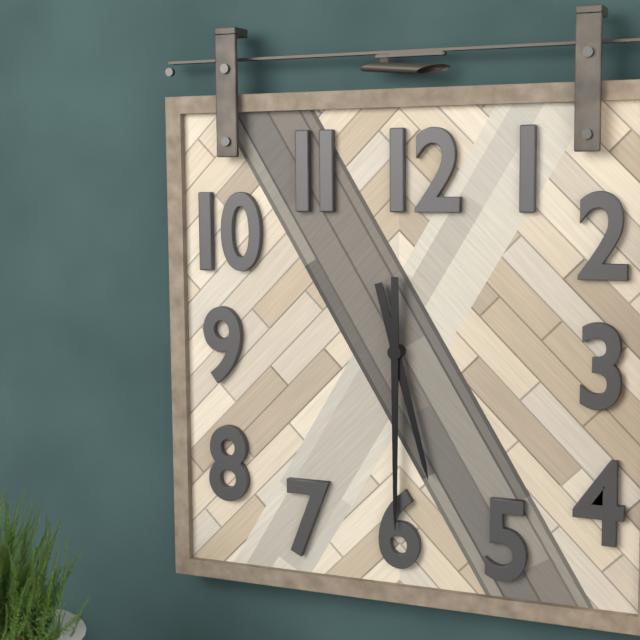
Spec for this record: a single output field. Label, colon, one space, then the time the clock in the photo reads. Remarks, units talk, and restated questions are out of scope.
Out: 5:30
